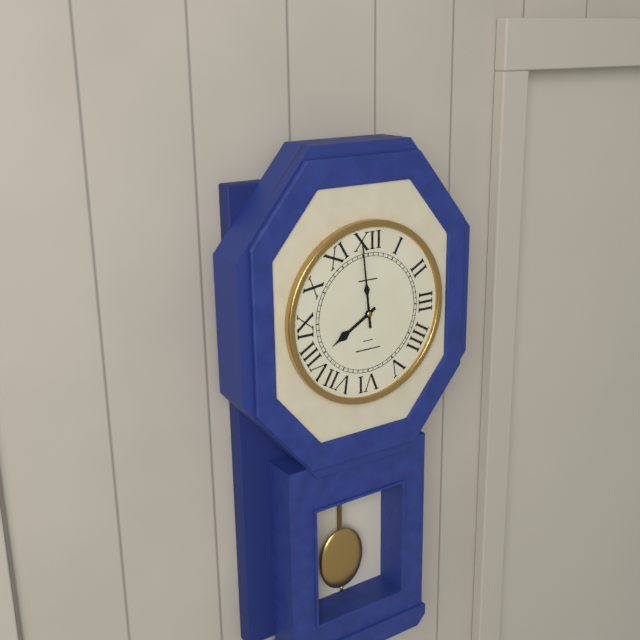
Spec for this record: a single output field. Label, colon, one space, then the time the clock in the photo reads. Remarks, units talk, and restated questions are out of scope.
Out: 7:59
